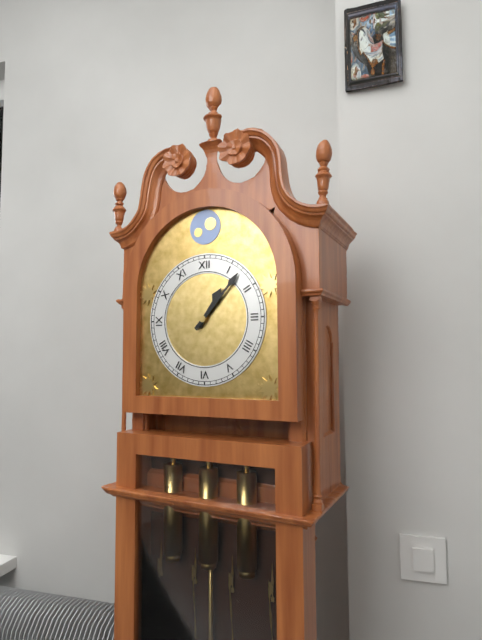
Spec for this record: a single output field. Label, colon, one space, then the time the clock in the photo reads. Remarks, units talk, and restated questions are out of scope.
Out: 1:07
